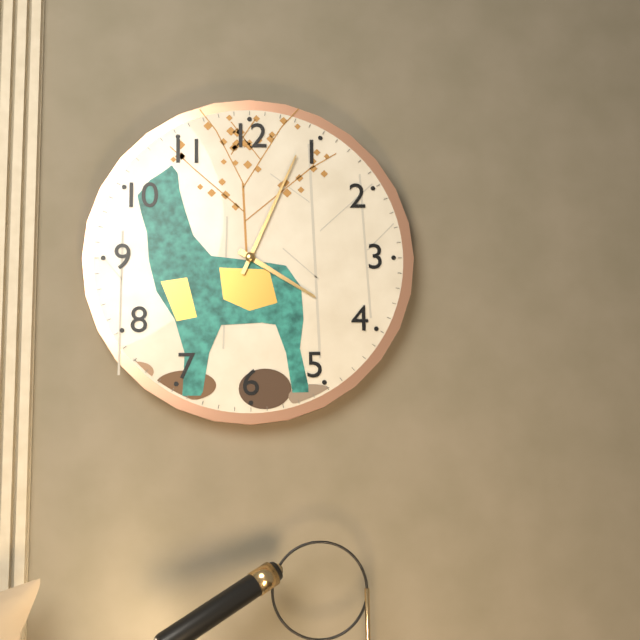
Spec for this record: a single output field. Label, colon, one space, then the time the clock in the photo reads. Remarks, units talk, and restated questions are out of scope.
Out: 4:04
